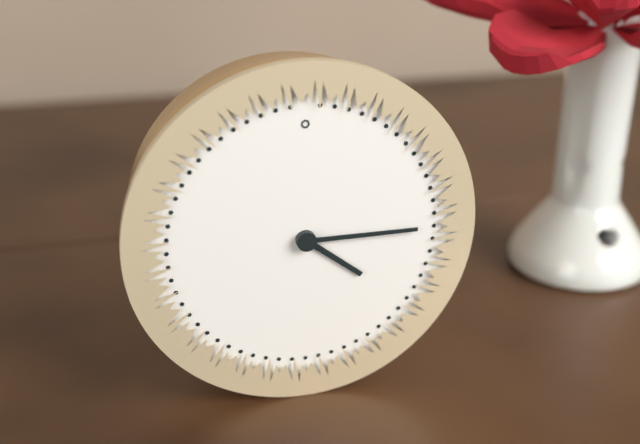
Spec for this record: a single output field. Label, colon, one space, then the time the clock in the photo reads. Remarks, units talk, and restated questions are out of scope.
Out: 4:15
